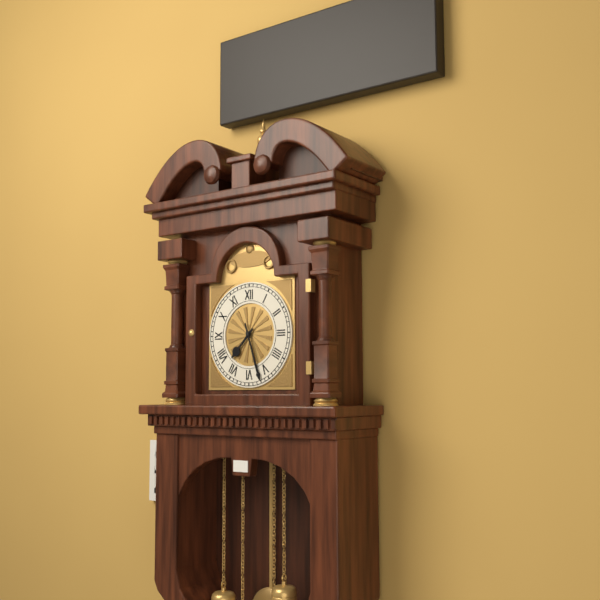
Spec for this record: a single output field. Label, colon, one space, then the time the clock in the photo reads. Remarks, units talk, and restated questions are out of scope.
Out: 7:27
